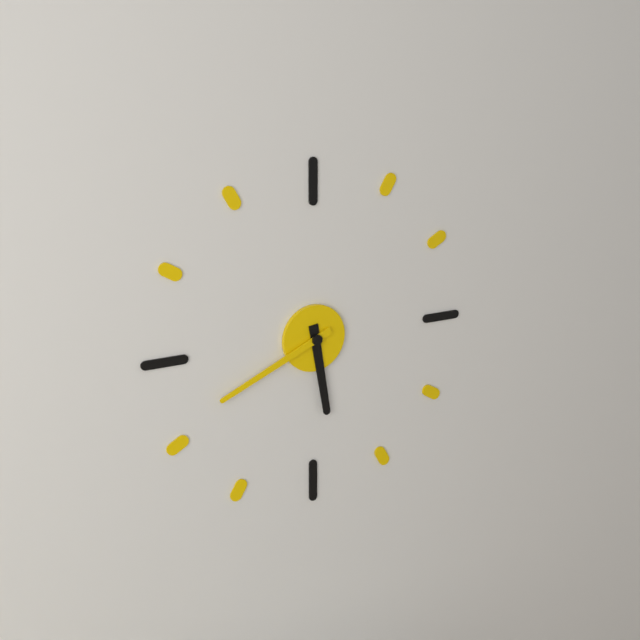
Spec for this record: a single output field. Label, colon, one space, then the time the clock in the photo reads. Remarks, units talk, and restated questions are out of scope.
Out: 5:41
